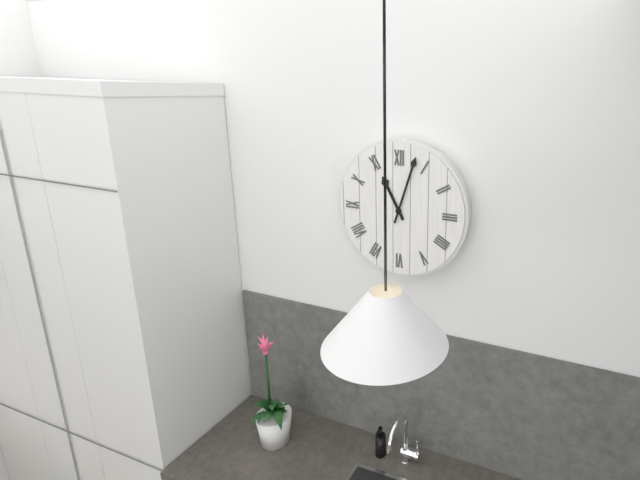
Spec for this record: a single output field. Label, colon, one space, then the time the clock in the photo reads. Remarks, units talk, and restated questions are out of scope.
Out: 11:03
